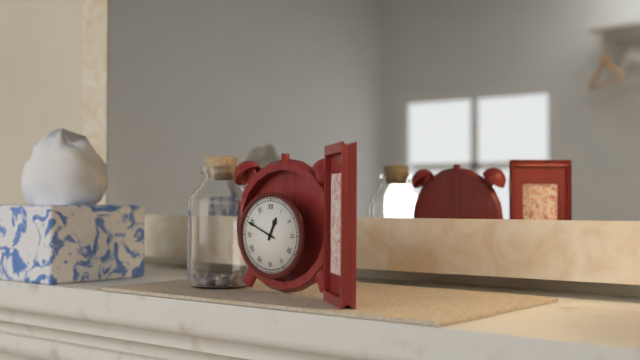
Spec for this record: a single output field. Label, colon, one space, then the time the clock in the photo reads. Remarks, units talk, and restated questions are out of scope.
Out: 12:49
